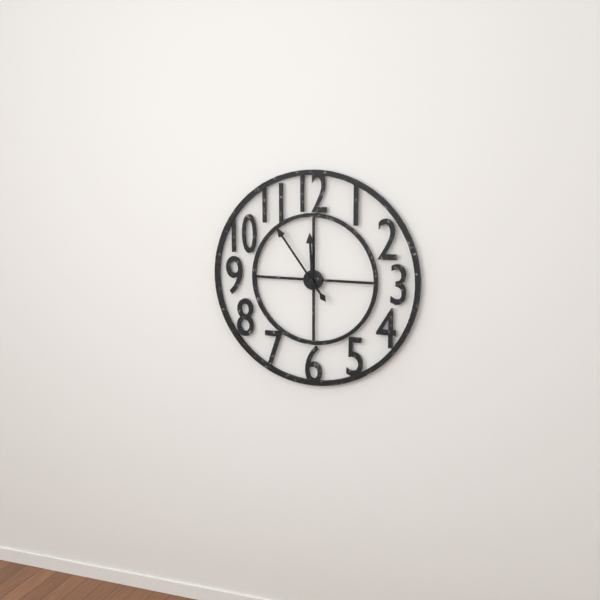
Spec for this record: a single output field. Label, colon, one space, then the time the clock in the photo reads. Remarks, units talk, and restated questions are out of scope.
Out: 11:54
